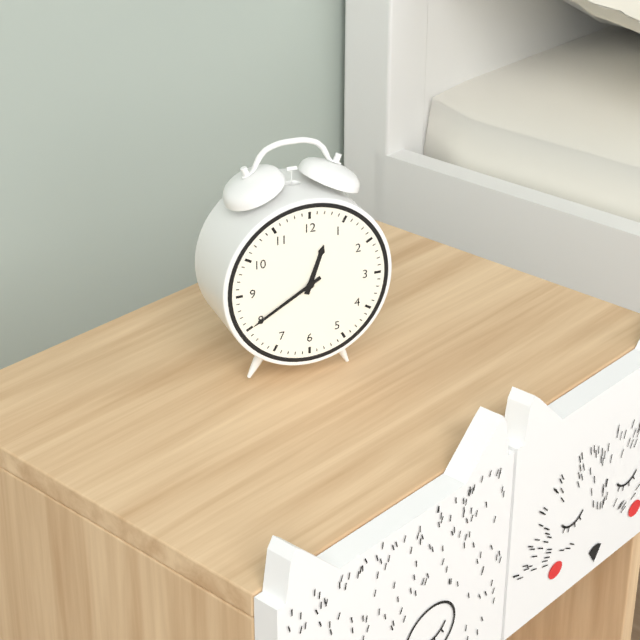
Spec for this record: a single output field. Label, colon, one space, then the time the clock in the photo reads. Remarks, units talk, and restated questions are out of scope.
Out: 12:40
